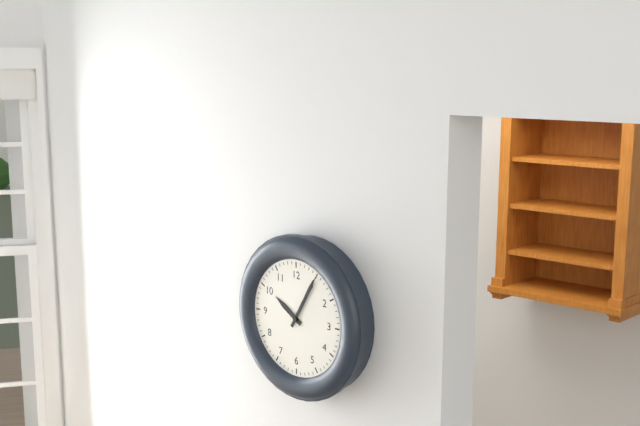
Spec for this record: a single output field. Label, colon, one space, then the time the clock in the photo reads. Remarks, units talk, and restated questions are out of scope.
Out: 10:05
